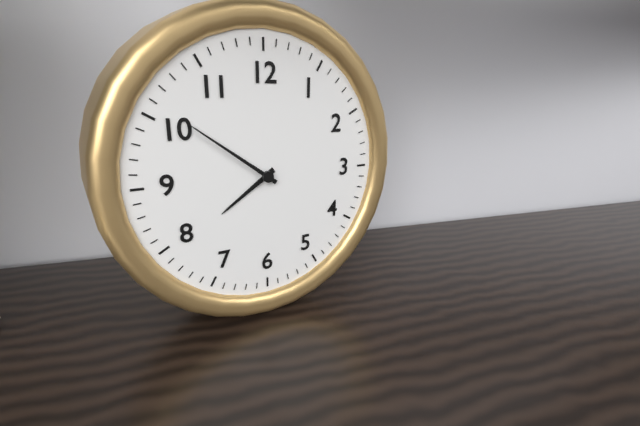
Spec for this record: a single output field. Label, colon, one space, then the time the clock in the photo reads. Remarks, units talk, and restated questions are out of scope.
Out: 7:51
